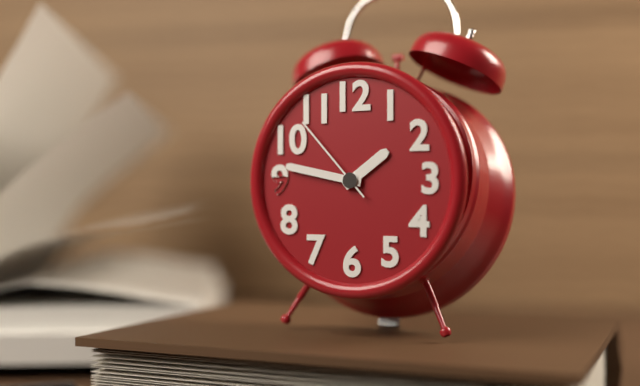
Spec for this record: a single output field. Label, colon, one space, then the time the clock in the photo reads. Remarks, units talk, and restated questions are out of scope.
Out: 1:47:53
